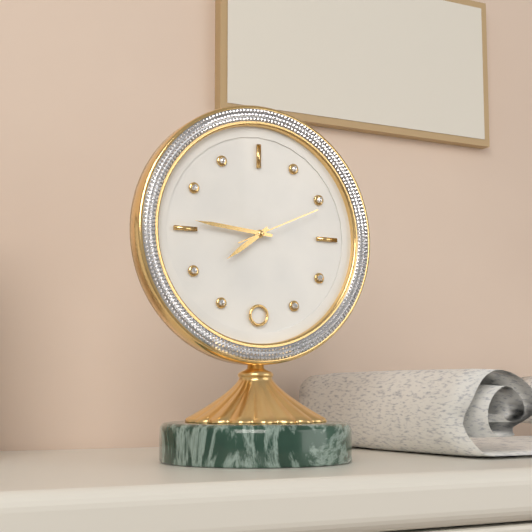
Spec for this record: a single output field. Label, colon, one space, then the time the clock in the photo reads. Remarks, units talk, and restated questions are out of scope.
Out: 7:46:11
